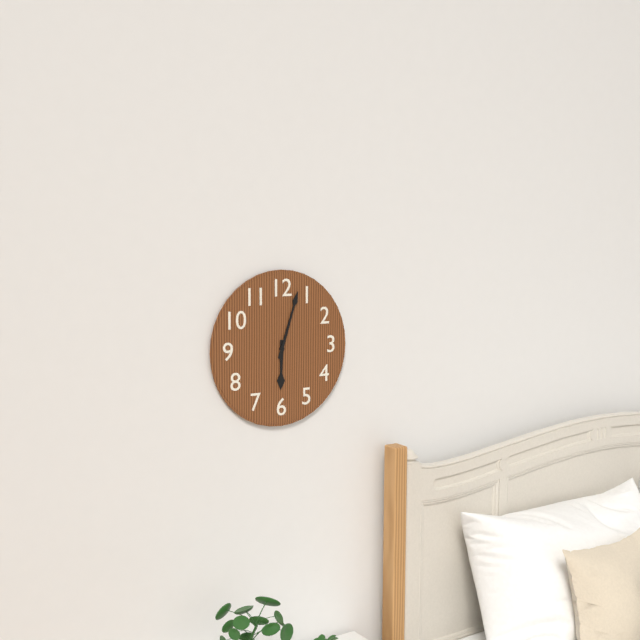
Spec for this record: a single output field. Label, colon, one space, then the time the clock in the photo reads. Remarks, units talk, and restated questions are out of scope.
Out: 6:03
